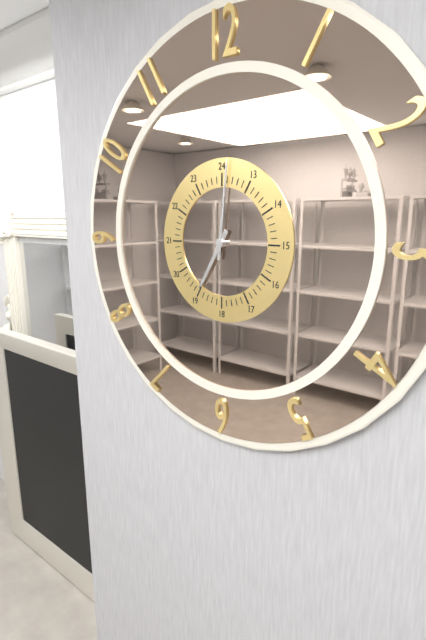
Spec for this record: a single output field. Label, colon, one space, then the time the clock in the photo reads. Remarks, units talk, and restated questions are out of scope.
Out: 7:01
